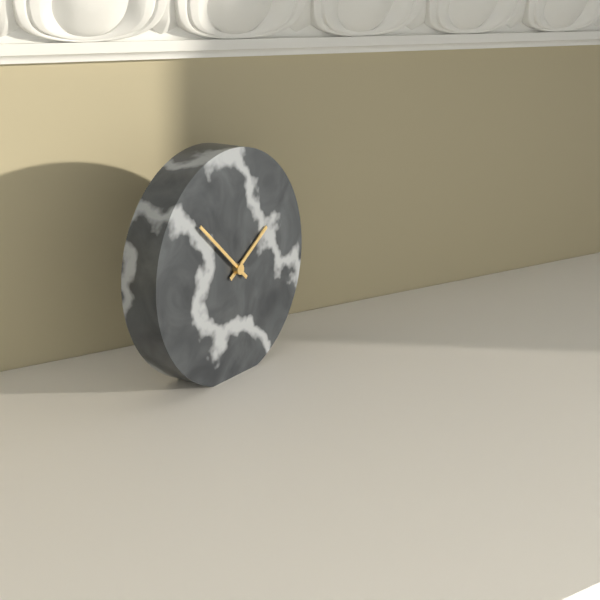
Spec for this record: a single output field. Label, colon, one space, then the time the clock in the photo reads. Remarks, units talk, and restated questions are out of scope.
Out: 1:52
